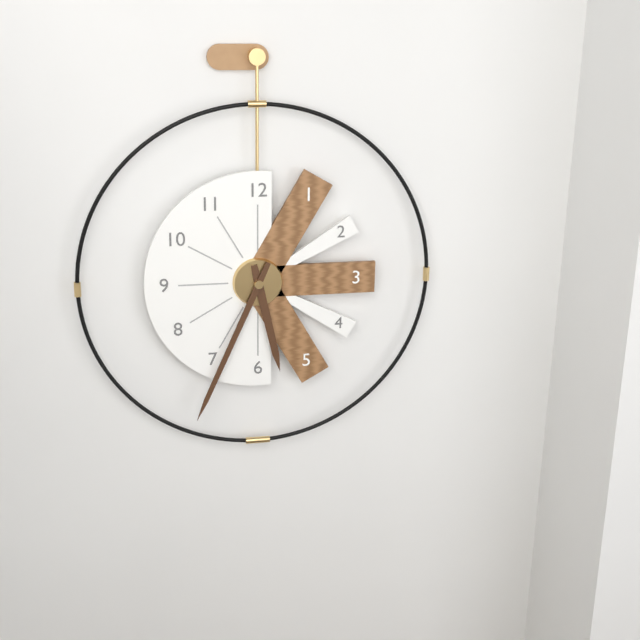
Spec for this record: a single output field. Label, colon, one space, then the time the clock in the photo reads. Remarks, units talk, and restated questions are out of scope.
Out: 5:34
